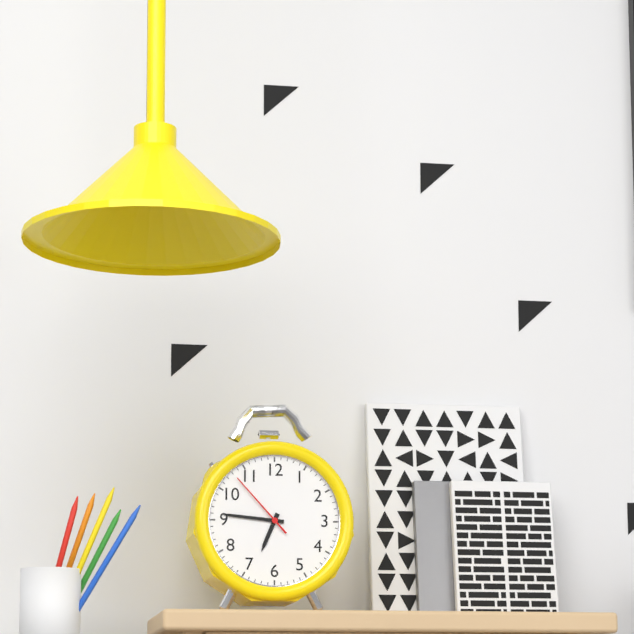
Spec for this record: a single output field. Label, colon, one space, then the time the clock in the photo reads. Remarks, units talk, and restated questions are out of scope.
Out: 6:46:53
